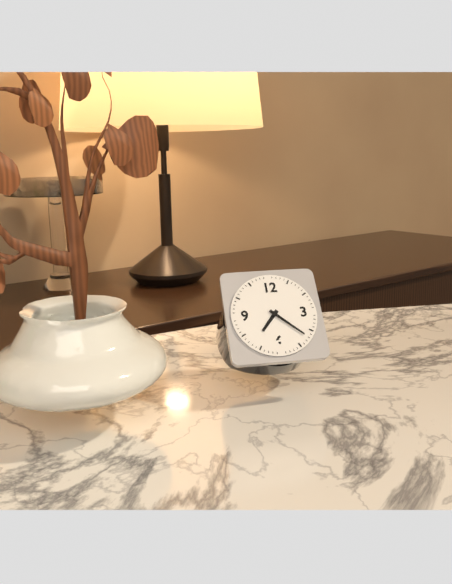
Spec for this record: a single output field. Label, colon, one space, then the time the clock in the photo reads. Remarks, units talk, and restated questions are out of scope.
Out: 7:22
